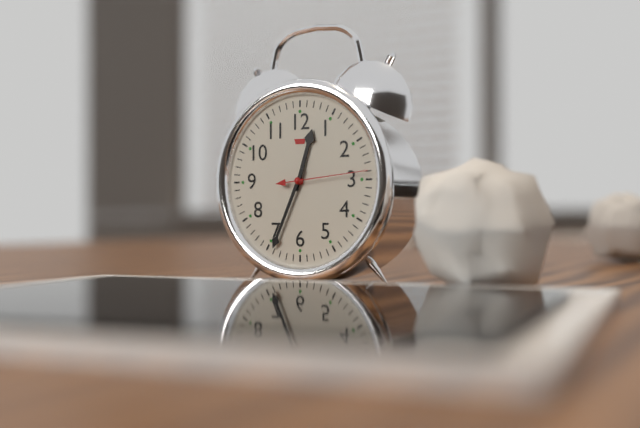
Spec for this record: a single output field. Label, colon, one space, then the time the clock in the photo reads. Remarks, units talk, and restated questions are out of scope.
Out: 12:34:14
